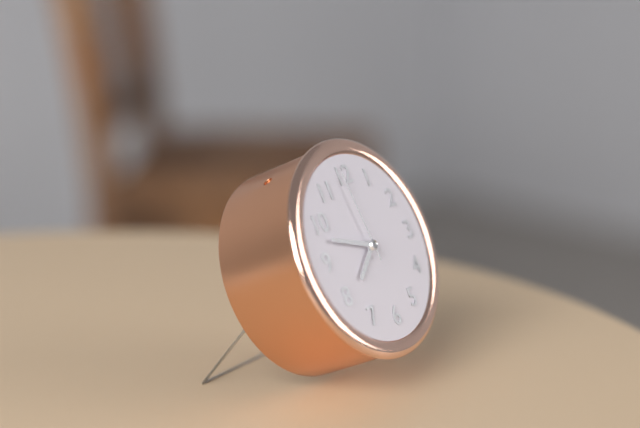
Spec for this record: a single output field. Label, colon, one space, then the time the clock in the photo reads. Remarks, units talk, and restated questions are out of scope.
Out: 7:48:59
